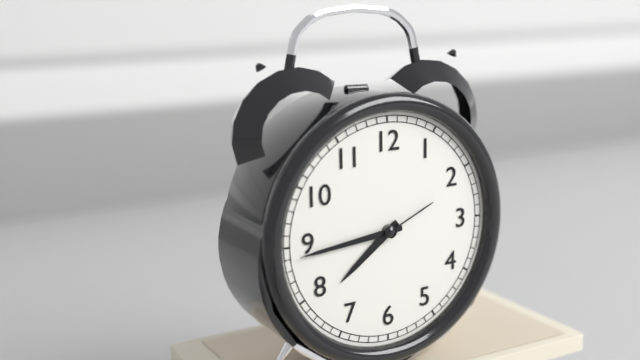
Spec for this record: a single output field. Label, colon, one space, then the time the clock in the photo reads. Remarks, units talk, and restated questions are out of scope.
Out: 7:44:11
